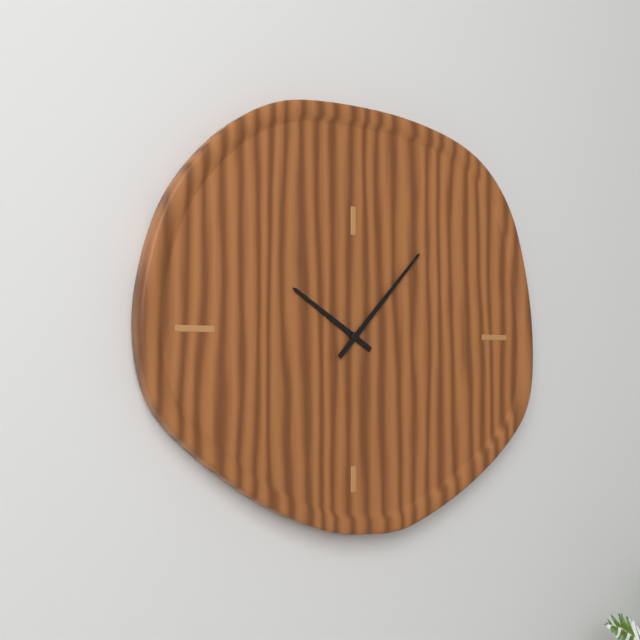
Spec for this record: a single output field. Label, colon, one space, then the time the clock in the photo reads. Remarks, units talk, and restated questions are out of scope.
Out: 10:07
